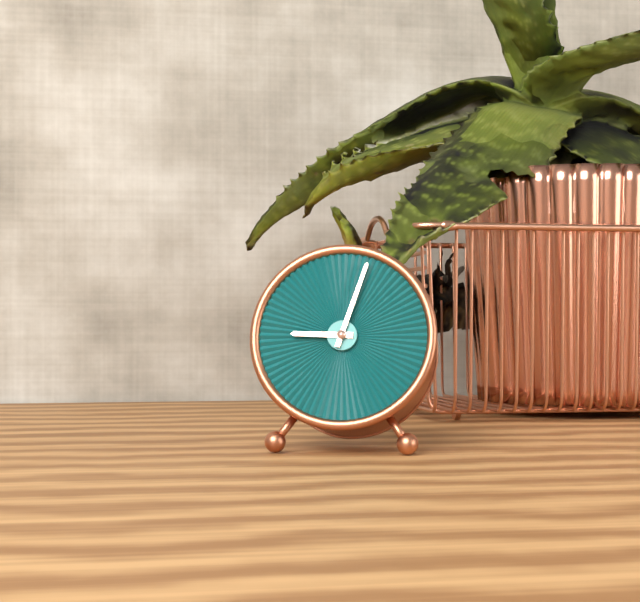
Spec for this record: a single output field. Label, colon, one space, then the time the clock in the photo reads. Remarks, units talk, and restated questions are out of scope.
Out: 9:03
